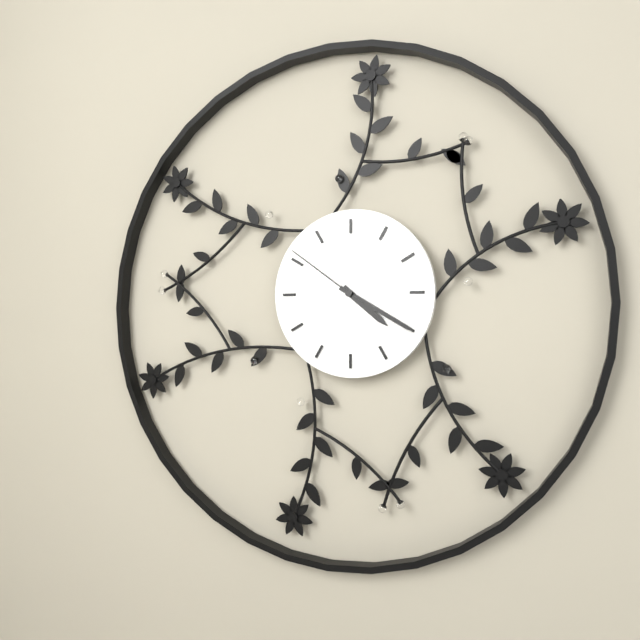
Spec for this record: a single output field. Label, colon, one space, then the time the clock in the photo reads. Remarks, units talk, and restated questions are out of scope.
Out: 4:20:51
